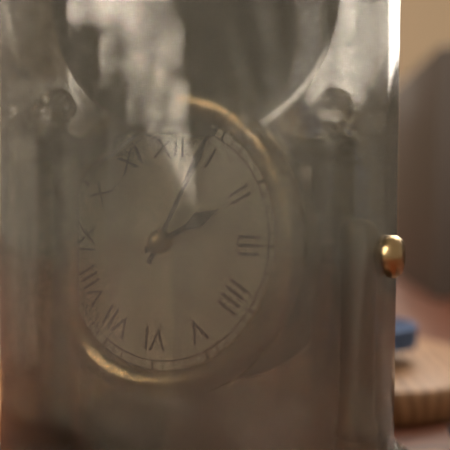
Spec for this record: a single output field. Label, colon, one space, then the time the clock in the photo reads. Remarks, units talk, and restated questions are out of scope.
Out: 2:04
